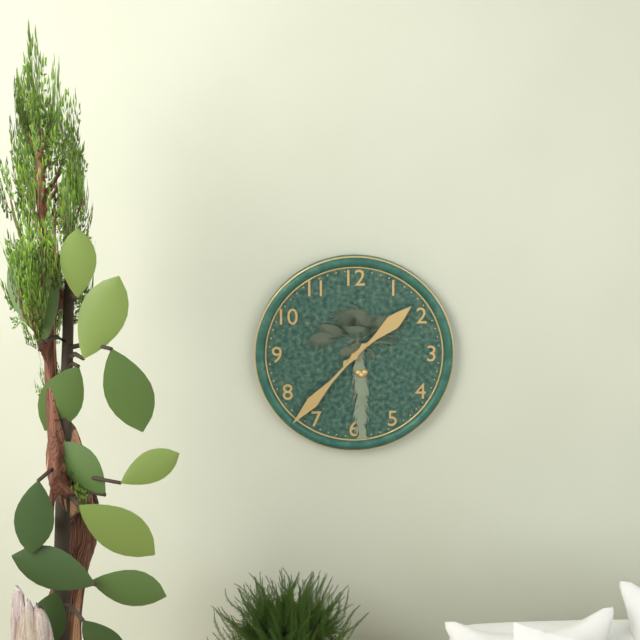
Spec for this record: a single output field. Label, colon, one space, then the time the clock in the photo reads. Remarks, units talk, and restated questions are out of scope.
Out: 1:37
